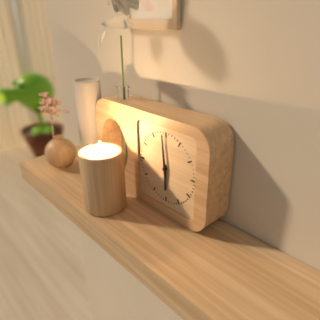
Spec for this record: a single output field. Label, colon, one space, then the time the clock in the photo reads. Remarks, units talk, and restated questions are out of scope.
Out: 5:59
